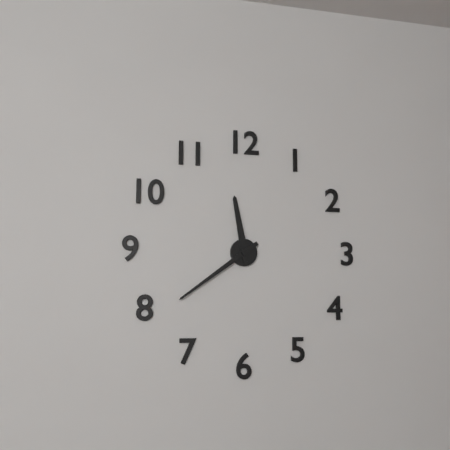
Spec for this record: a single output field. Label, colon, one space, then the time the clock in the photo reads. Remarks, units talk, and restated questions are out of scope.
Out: 11:39
